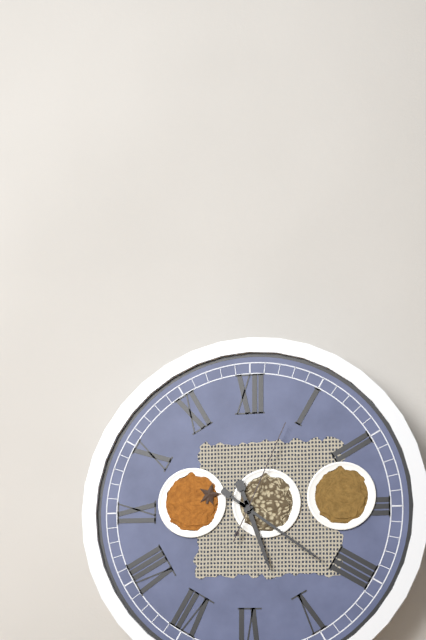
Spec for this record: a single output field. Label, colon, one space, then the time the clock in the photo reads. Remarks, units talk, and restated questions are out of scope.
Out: 5:21:04
